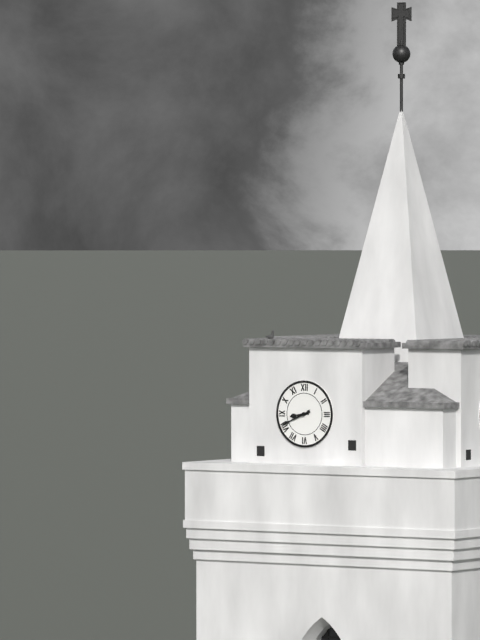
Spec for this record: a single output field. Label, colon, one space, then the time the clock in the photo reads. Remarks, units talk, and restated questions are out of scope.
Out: 8:41
